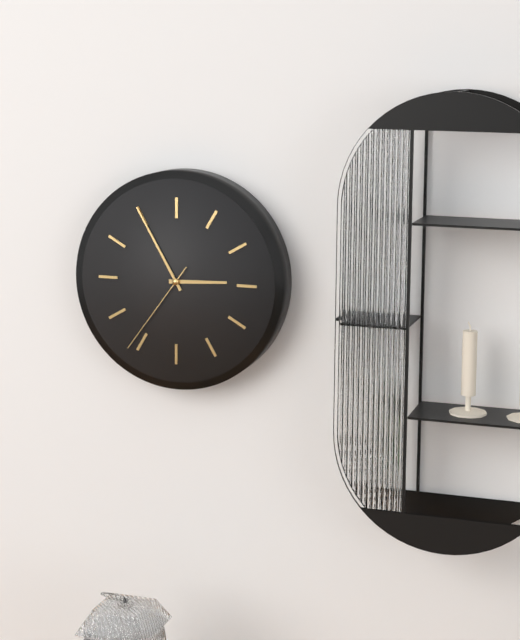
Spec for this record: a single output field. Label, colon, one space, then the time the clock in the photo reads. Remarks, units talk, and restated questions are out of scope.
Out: 2:55:36
